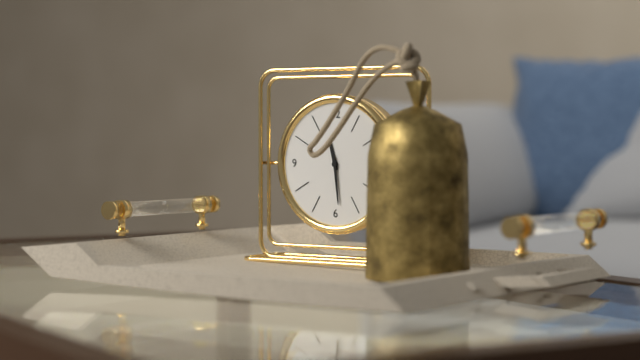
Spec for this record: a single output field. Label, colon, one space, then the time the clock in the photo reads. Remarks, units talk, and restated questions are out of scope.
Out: 11:29
